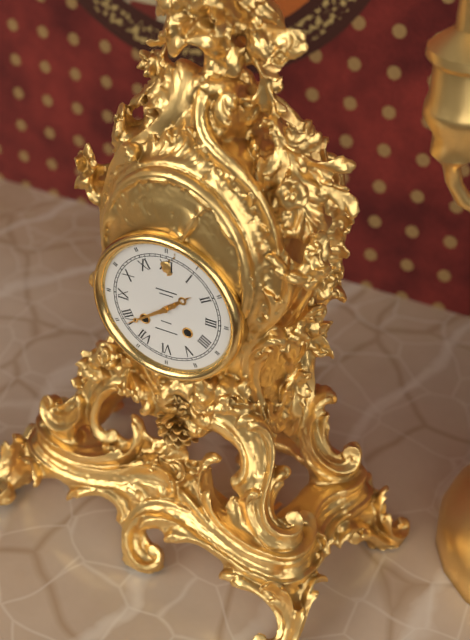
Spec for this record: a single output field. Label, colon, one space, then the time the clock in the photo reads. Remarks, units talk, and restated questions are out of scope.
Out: 1:39
